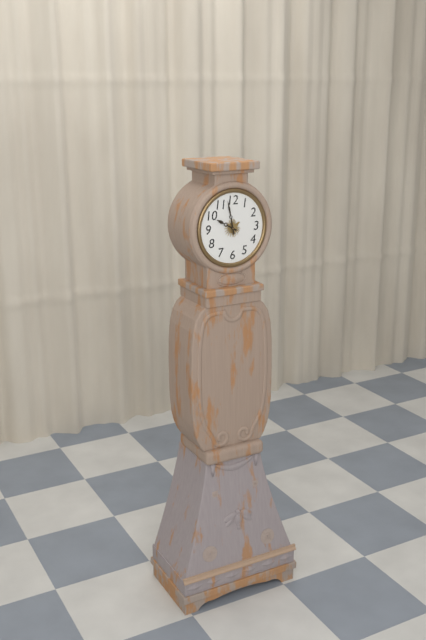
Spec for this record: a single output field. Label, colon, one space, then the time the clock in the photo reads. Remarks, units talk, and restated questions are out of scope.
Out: 9:58
